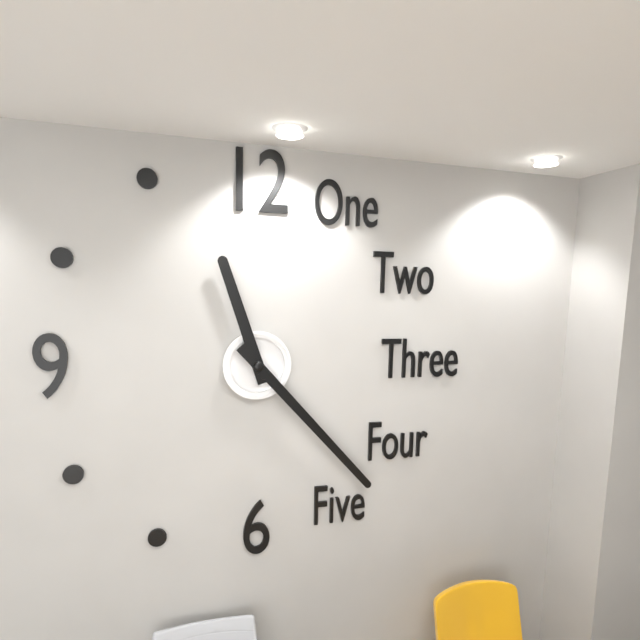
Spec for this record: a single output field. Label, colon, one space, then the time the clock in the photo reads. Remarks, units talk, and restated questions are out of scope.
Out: 11:23
